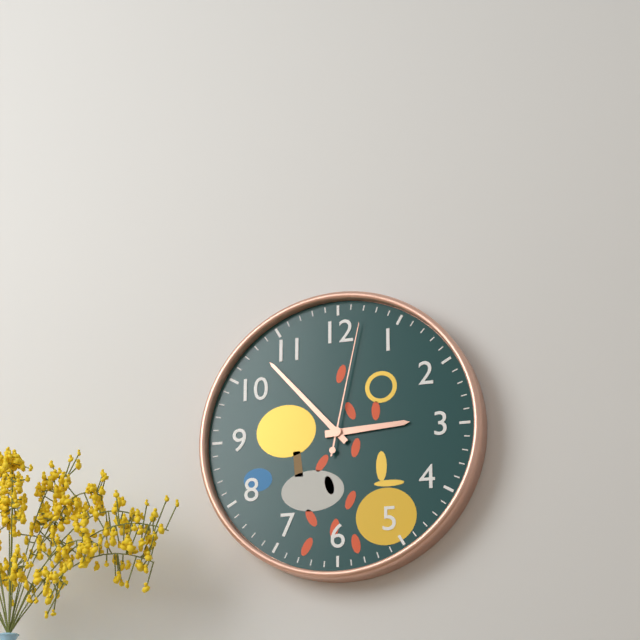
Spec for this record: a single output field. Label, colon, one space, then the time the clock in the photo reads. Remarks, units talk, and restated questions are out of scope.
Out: 2:53:02
